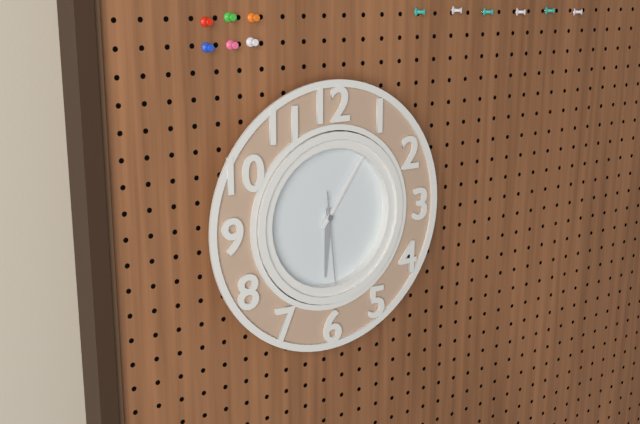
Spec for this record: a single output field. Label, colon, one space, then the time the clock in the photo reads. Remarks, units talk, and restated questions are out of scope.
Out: 6:06:29
